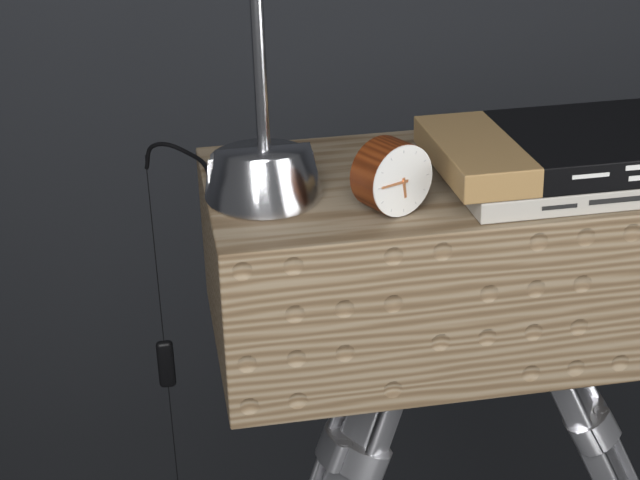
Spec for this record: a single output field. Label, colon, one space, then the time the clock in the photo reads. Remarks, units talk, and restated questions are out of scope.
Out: 5:45
